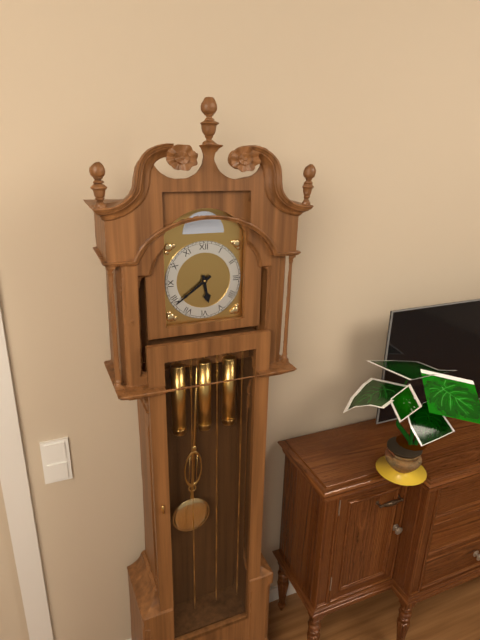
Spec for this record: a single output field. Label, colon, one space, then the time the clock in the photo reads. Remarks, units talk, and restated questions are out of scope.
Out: 5:39
